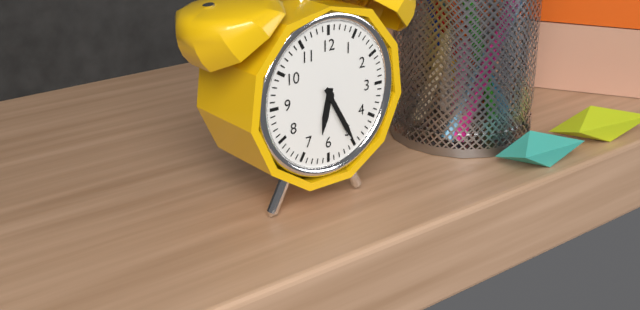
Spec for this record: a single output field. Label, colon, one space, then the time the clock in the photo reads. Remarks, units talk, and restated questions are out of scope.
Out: 6:25
